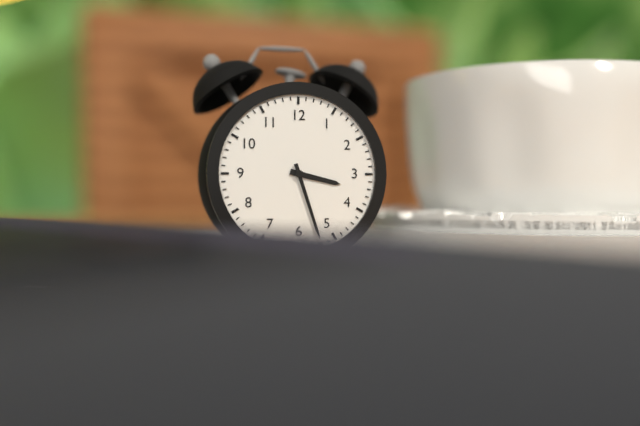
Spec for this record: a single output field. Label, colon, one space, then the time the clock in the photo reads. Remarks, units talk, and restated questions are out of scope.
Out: 3:27
